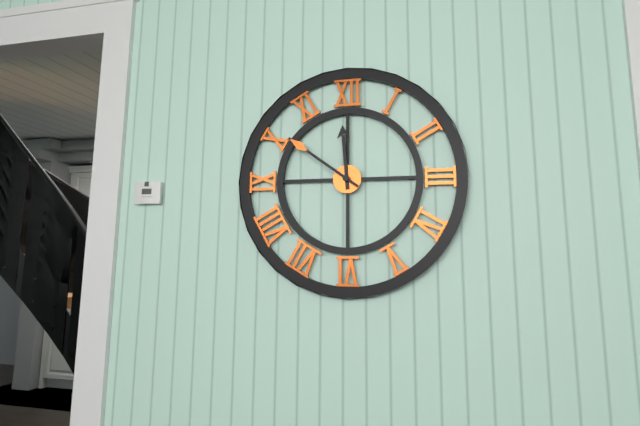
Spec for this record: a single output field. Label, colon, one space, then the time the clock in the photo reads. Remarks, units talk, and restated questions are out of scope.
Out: 11:51
